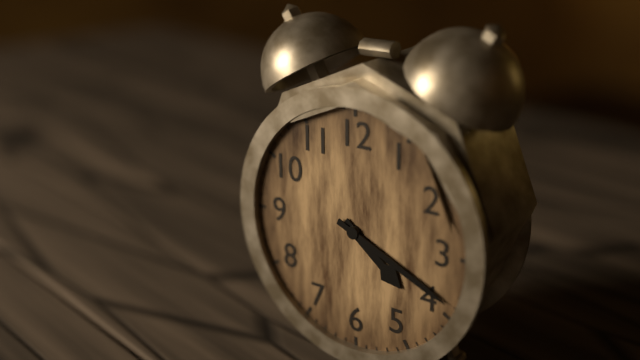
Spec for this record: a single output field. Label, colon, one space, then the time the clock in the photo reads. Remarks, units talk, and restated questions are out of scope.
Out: 4:19
